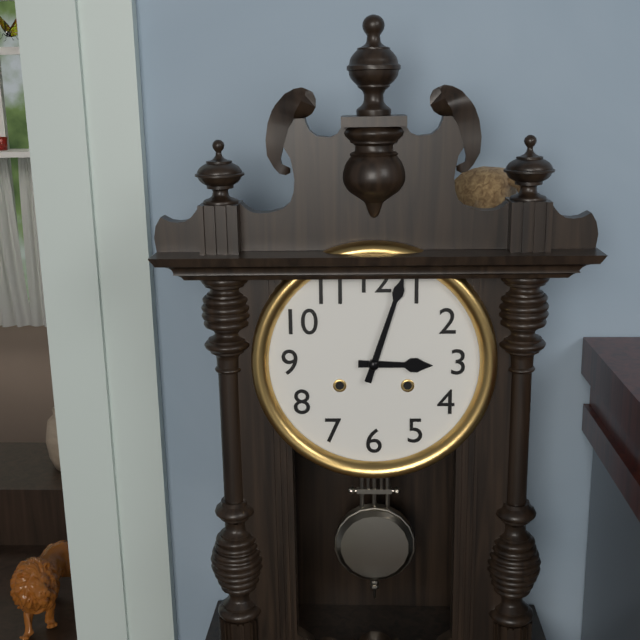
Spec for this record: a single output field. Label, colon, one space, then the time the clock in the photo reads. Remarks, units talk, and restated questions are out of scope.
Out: 3:03
